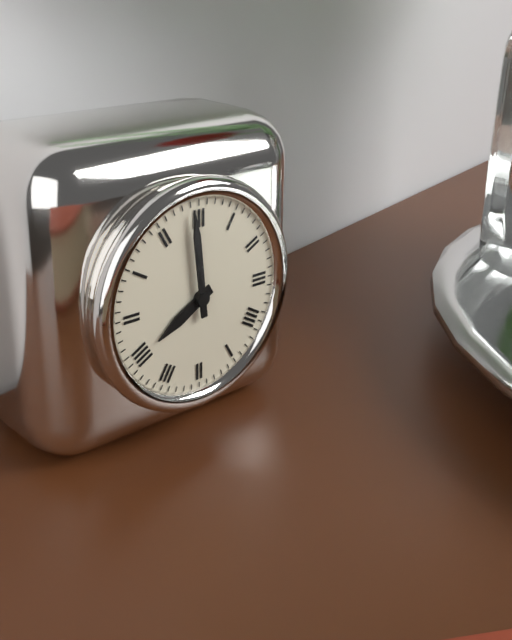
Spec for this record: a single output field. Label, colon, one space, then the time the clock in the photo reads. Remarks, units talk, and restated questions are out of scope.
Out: 7:59
